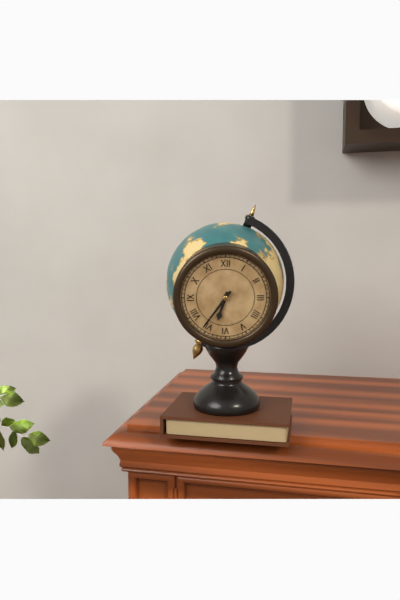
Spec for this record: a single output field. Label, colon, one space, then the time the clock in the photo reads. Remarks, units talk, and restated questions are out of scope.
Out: 6:36
